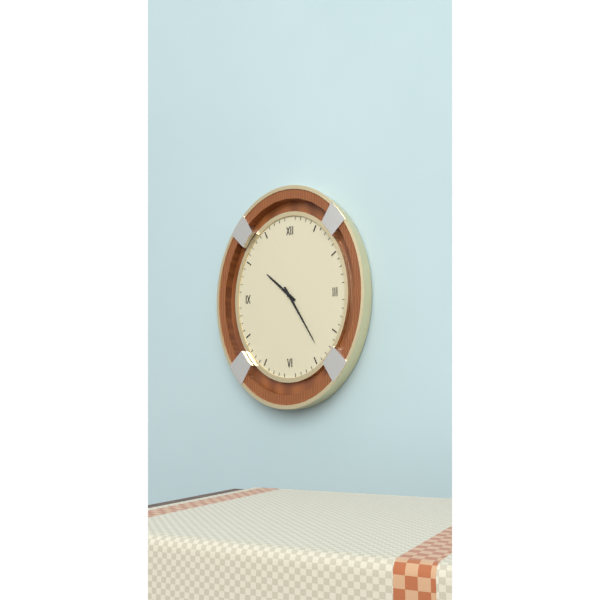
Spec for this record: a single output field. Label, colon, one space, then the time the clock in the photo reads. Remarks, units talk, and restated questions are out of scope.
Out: 10:25
